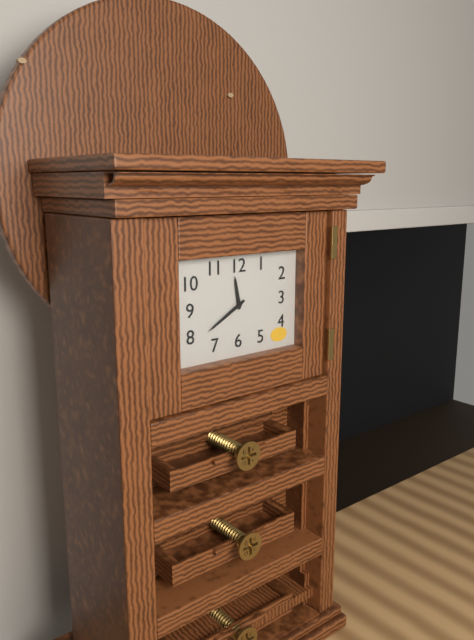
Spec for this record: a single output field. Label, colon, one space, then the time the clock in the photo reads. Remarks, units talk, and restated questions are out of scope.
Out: 11:40
